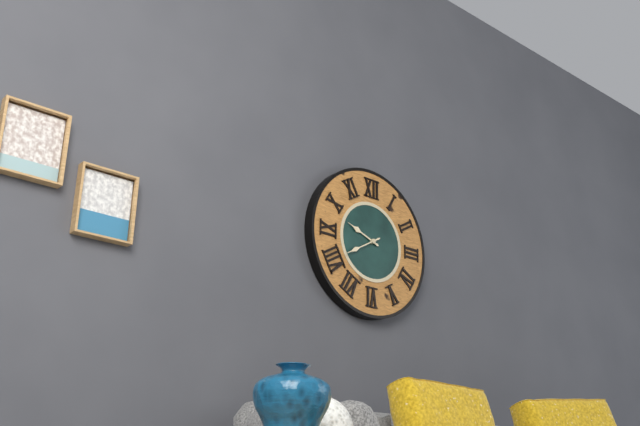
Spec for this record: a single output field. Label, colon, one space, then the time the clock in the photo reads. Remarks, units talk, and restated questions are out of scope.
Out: 9:40
